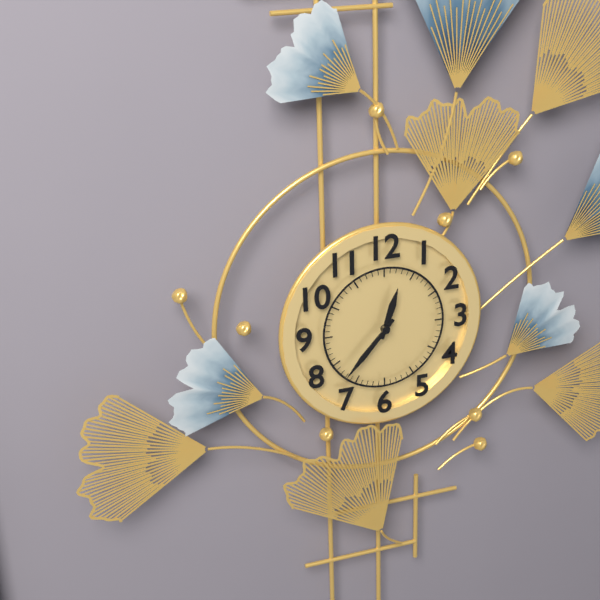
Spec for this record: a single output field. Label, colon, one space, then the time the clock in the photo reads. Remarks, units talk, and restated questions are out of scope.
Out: 12:37
